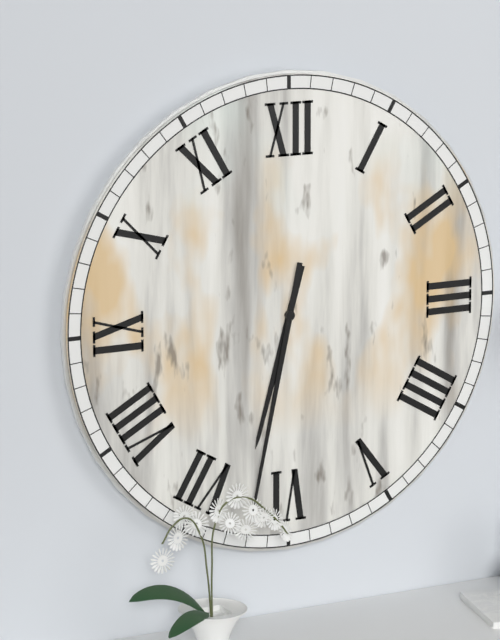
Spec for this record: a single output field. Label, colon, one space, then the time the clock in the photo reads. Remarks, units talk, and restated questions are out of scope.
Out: 6:32
